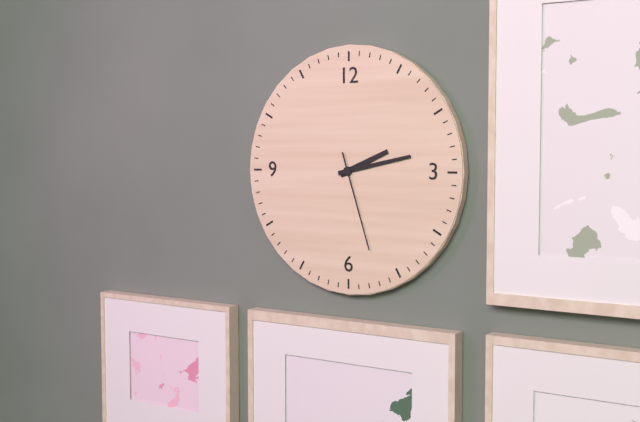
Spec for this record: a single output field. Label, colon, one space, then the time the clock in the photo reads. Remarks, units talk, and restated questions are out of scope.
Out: 2:13:27
